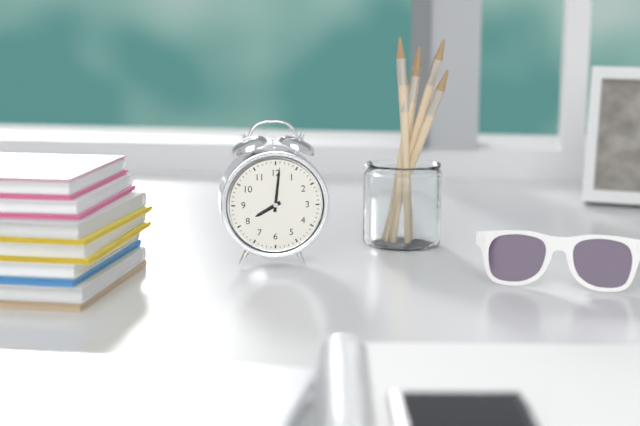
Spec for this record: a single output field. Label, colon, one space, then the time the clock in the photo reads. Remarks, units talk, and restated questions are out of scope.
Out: 8:01
